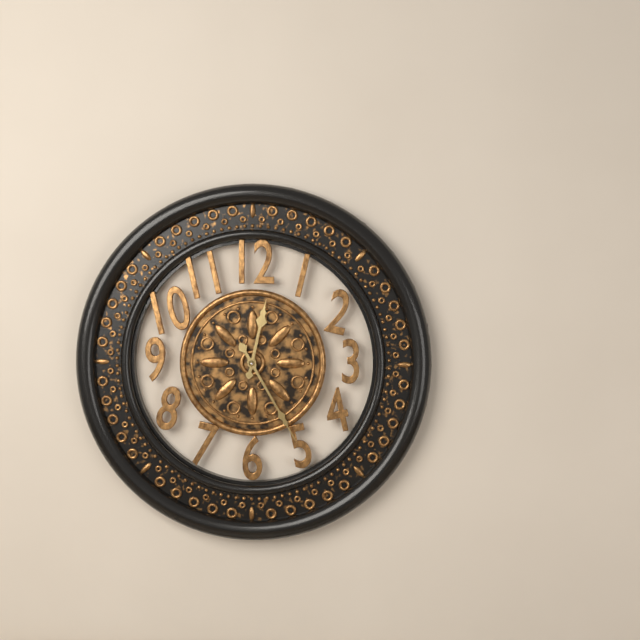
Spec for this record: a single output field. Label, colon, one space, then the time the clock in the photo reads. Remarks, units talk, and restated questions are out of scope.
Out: 12:25
